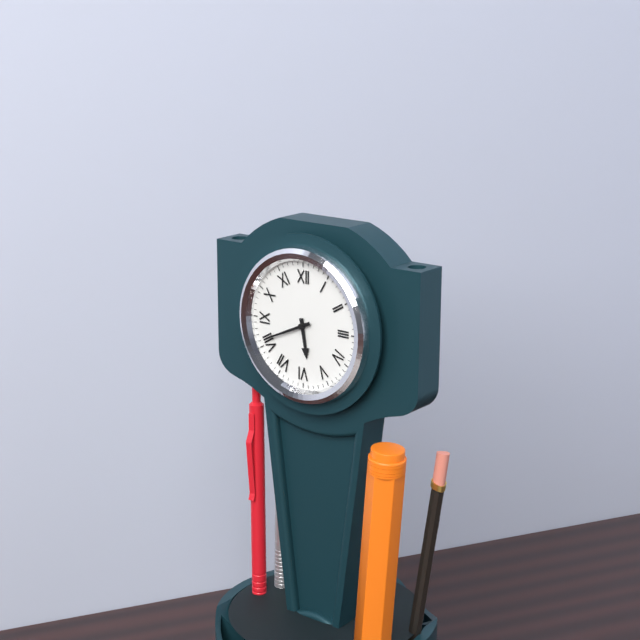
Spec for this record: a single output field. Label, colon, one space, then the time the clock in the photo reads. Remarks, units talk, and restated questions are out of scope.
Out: 5:41
